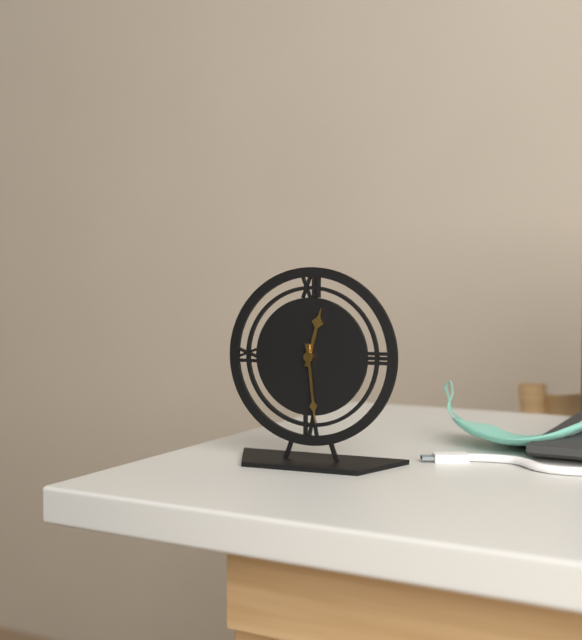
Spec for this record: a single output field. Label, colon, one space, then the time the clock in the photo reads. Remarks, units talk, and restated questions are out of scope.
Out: 12:29
